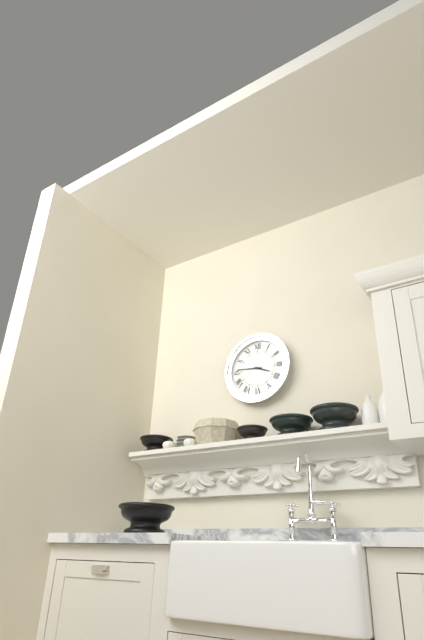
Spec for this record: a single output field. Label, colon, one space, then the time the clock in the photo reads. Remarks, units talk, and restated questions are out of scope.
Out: 3:46
